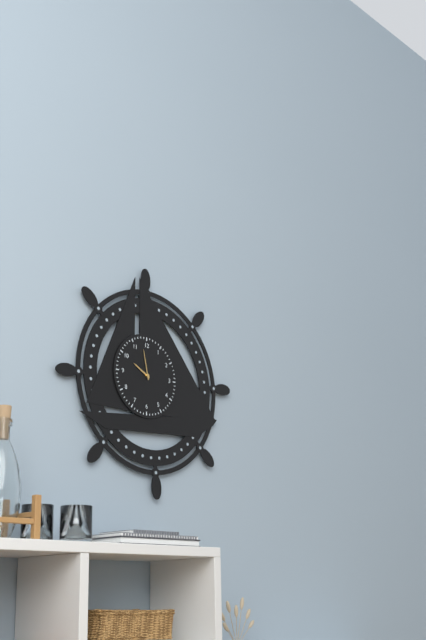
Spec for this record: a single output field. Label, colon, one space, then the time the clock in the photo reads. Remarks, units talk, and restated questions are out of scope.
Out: 9:58
